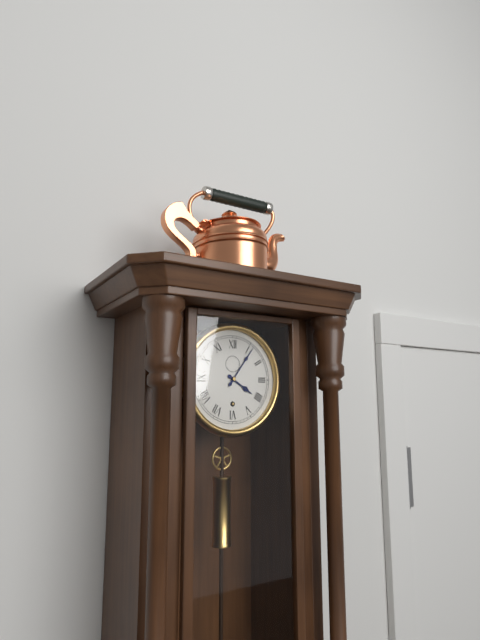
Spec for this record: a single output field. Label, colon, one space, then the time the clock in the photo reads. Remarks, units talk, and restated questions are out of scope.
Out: 4:06
